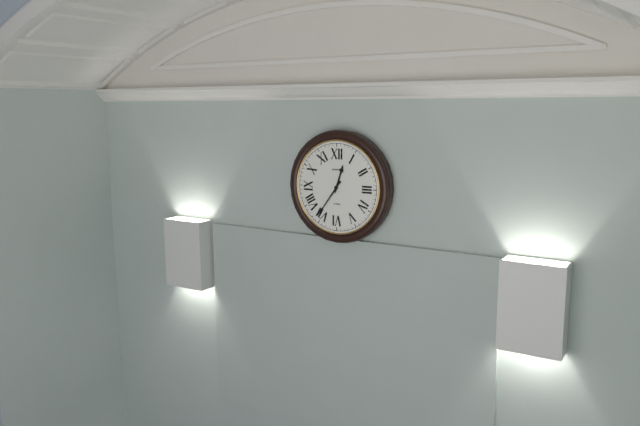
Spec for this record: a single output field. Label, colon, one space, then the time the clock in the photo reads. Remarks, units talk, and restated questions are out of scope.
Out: 12:36
